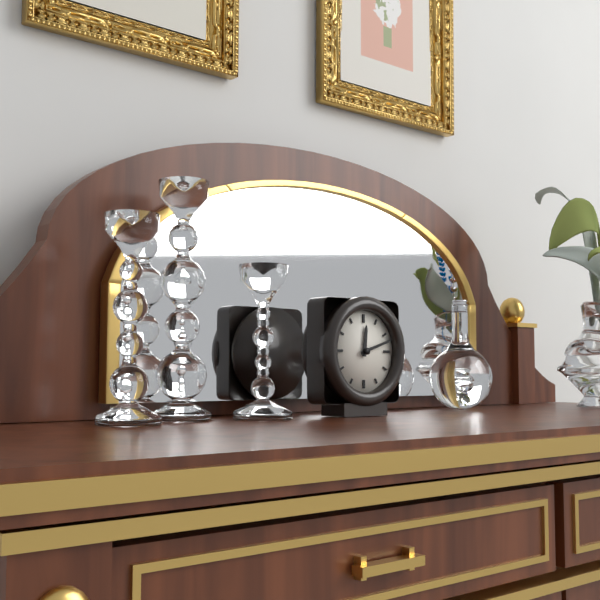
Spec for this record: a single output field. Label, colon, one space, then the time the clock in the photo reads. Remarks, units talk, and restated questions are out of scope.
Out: 12:12
